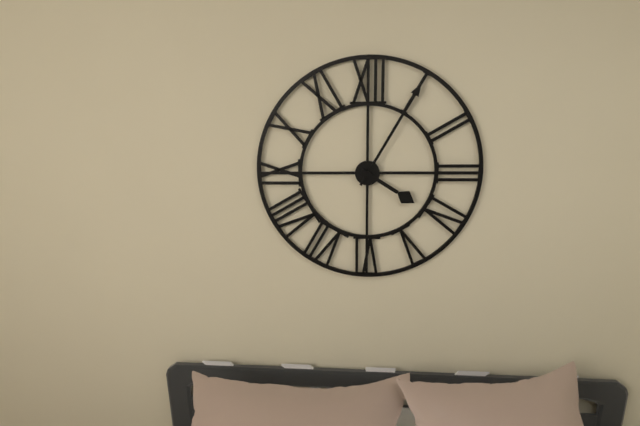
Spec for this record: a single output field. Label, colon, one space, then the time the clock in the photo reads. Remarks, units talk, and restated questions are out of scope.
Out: 4:05
